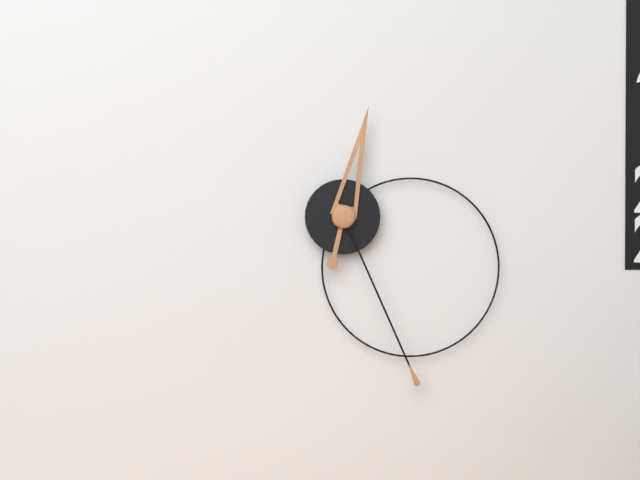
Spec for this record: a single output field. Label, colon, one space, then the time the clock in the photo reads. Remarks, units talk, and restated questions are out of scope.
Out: 12:26
